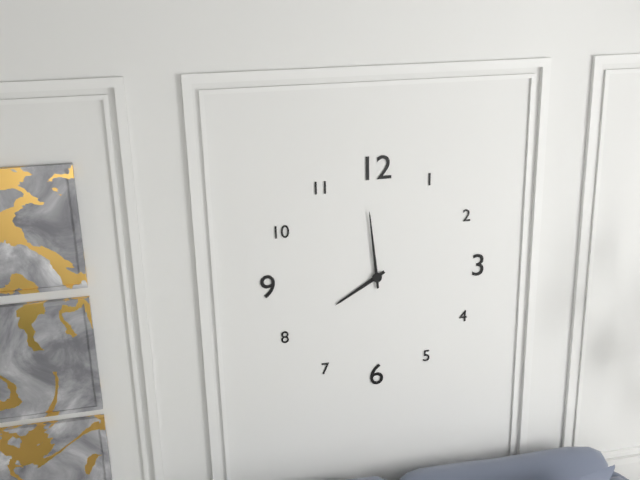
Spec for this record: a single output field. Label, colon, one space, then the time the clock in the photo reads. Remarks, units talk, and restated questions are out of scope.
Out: 7:59
